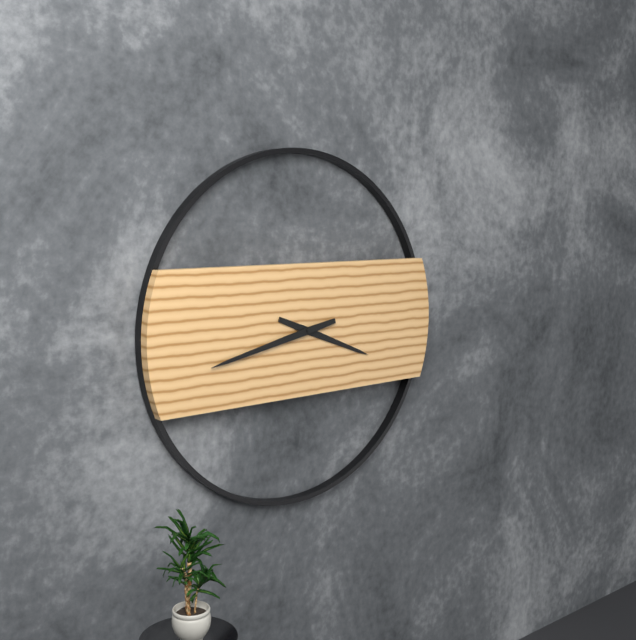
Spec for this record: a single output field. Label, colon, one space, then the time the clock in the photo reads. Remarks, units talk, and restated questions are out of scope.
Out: 3:43
